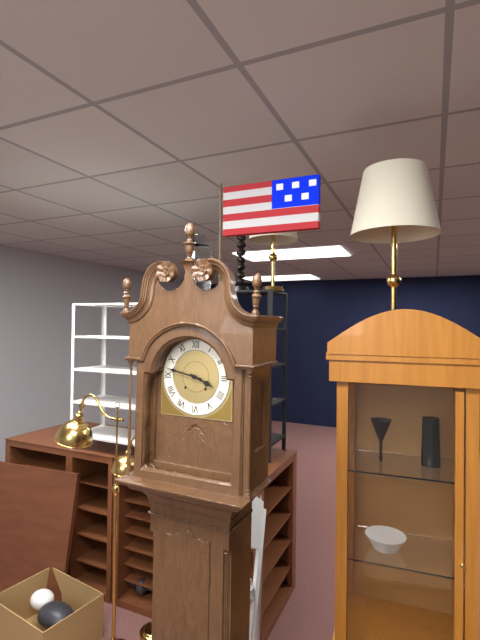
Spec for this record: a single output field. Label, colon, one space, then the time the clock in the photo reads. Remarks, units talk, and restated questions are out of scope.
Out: 3:47
